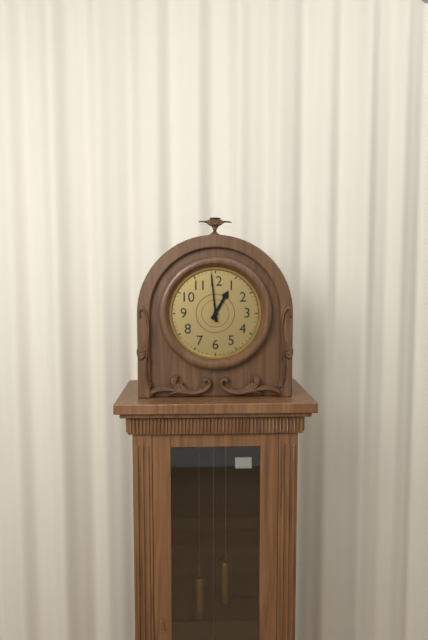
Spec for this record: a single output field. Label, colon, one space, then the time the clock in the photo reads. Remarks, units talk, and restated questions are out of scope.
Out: 12:59
